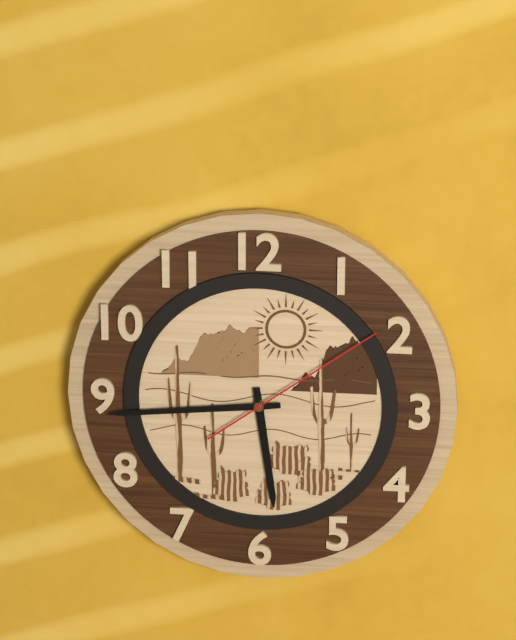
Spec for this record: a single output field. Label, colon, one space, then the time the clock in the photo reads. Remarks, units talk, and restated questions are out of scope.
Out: 5:44:09
